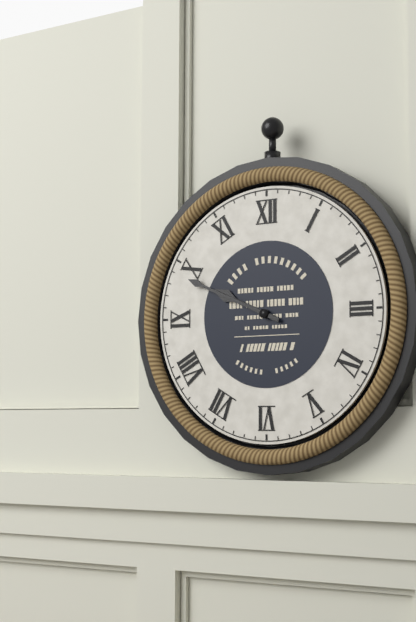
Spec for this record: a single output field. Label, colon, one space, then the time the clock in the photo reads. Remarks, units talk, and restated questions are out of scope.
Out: 9:49
